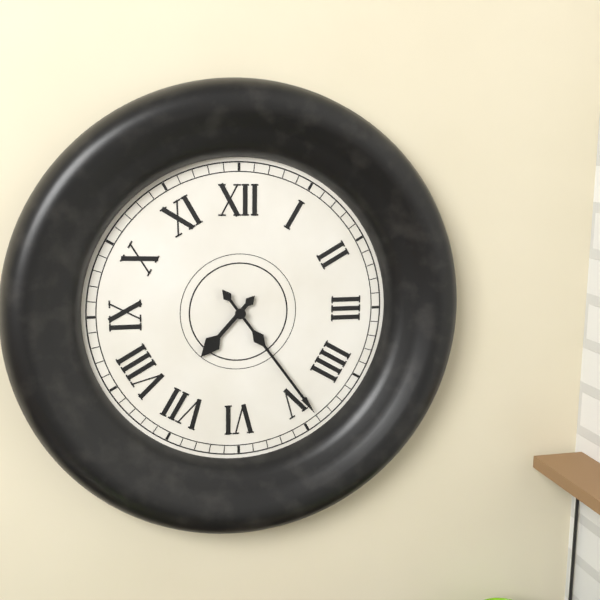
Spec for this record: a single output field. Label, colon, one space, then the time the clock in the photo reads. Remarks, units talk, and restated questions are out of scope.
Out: 7:24
